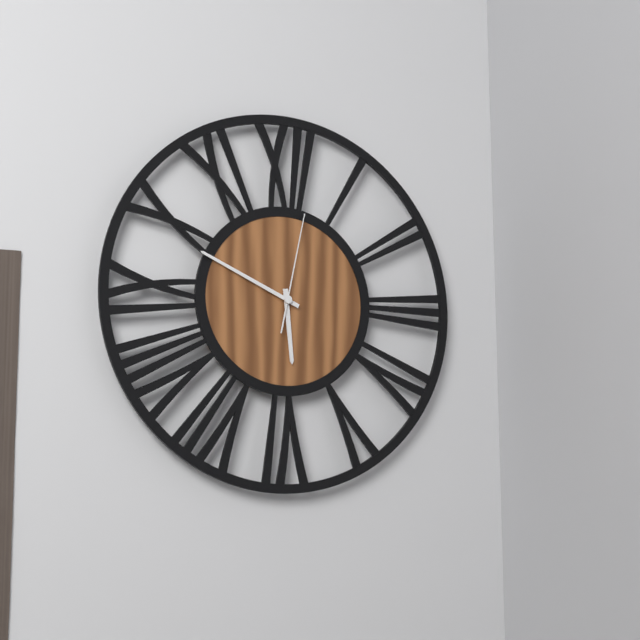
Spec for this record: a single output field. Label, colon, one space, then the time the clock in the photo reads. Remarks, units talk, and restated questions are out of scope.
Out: 5:49:02
